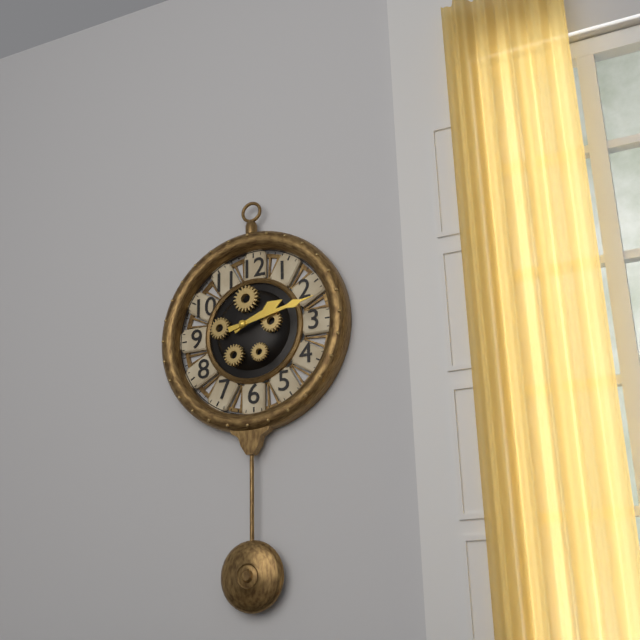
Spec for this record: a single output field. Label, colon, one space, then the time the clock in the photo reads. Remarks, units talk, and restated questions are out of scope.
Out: 2:13
